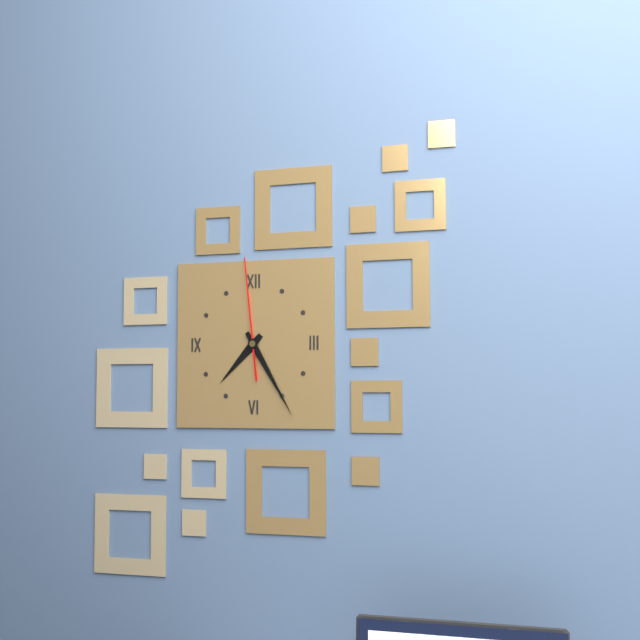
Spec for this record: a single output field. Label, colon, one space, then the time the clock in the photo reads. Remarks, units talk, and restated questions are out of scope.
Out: 7:25:59
